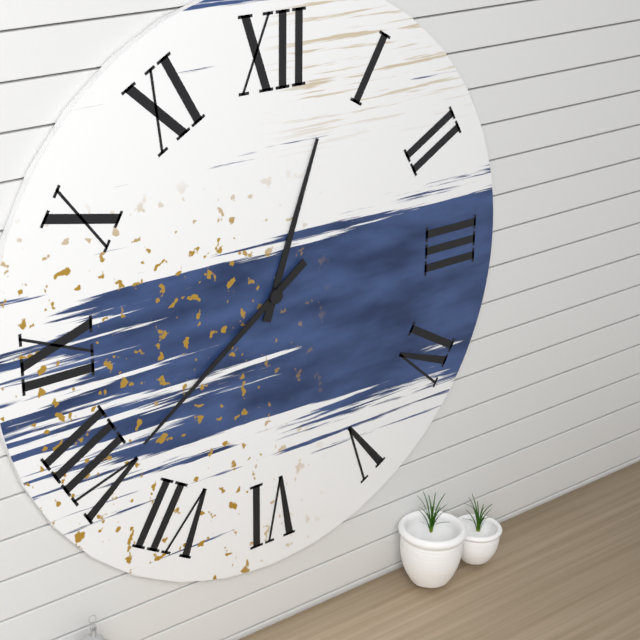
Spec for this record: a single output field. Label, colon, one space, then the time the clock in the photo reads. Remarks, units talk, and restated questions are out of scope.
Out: 12:39
